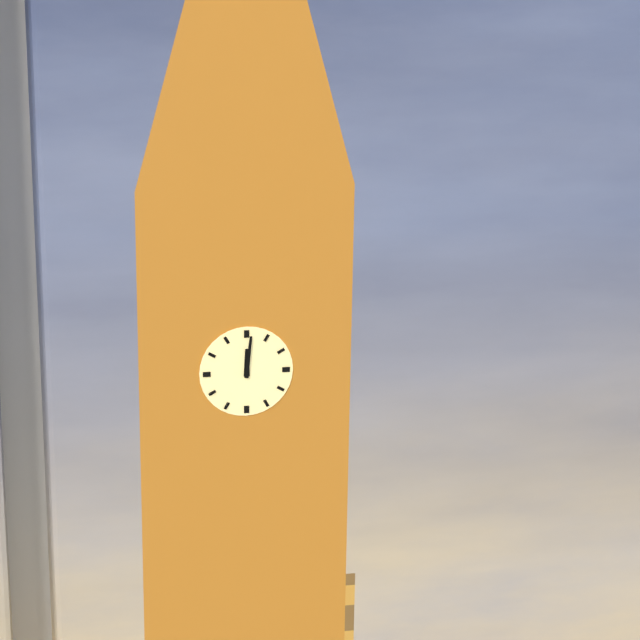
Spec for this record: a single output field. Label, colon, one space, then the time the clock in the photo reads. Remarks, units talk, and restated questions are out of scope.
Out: 12:01
